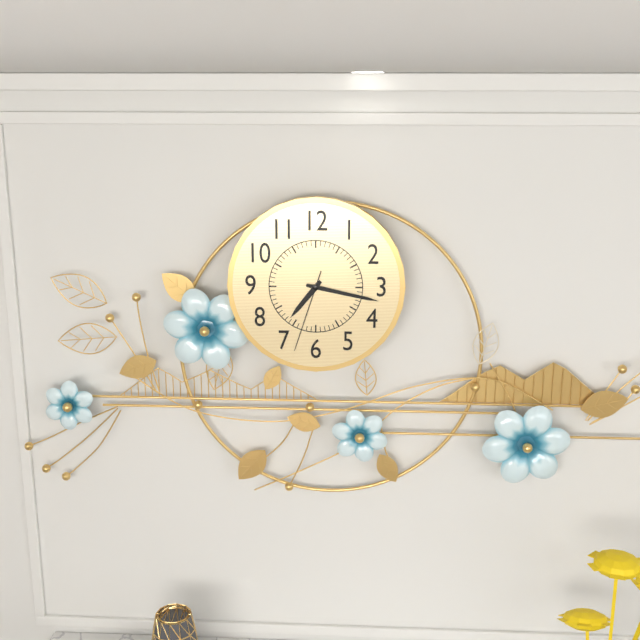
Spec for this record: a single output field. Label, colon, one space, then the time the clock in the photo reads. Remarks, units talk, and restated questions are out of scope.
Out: 7:17:33
